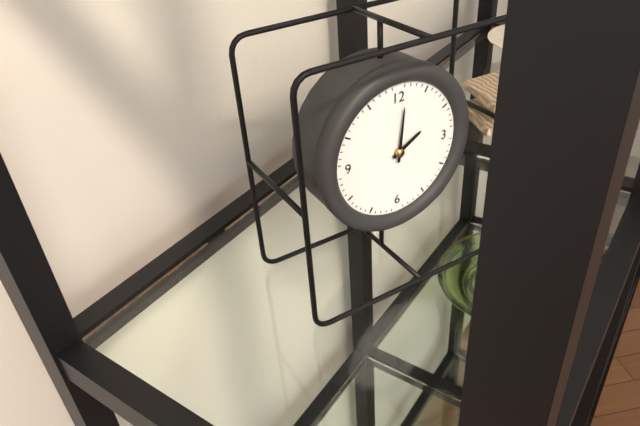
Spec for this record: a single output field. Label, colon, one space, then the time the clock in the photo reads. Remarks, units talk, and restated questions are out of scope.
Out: 2:01
